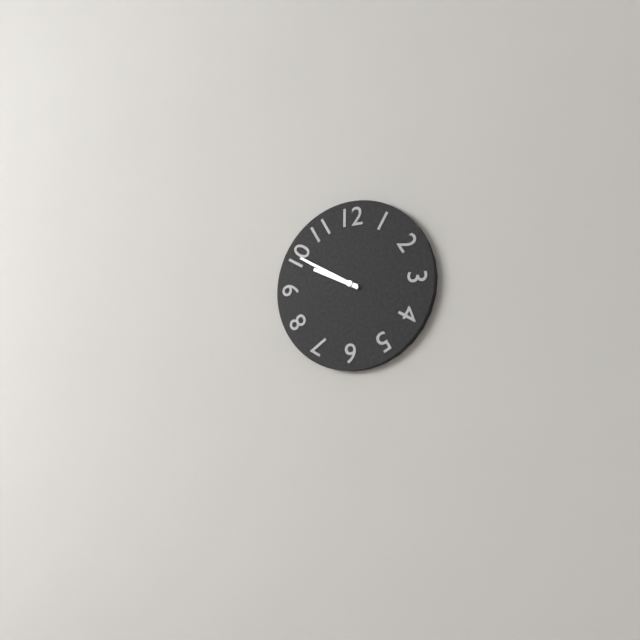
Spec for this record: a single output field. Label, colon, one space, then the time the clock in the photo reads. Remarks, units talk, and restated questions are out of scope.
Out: 9:50
